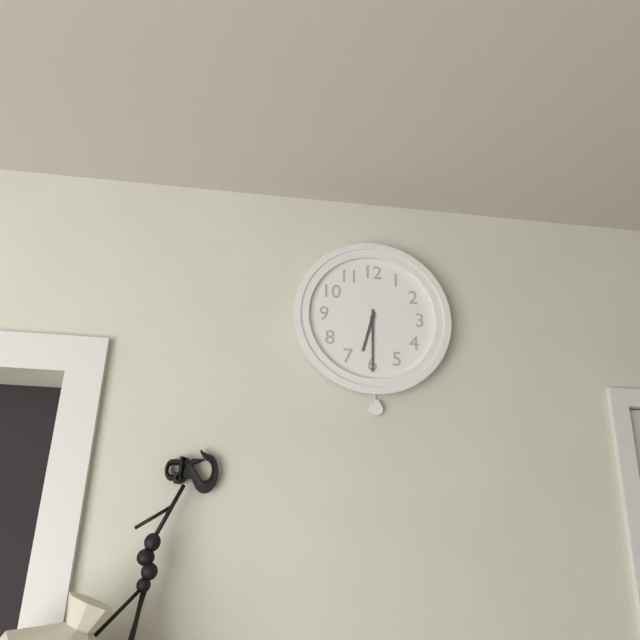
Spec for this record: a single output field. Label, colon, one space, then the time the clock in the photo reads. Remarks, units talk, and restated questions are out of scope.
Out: 6:30
